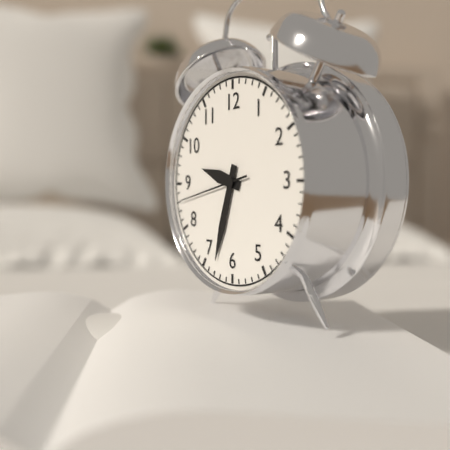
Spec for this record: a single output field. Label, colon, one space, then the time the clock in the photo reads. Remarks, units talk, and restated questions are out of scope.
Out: 9:33:43
